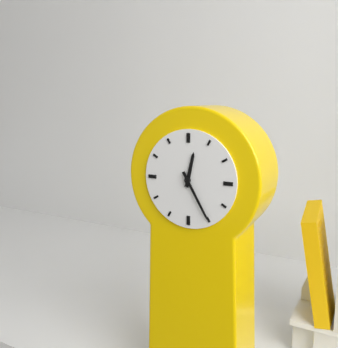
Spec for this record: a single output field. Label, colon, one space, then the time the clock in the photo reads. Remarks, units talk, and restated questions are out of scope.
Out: 12:25
